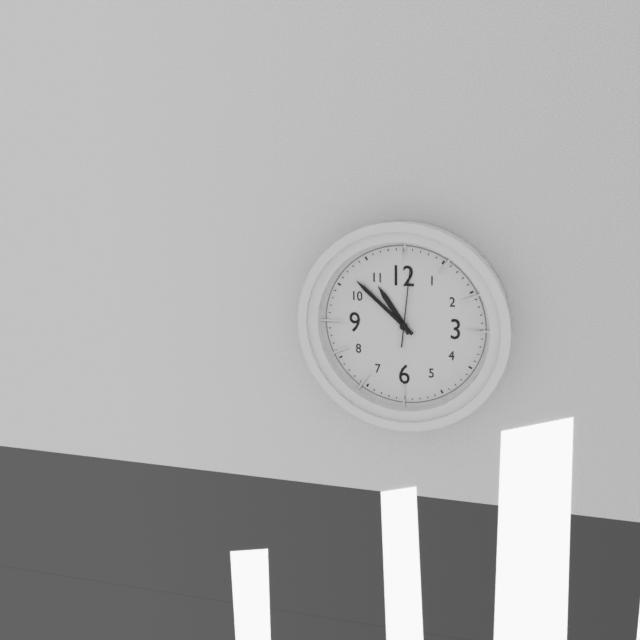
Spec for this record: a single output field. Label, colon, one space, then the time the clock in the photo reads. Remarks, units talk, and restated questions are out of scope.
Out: 10:52:01
